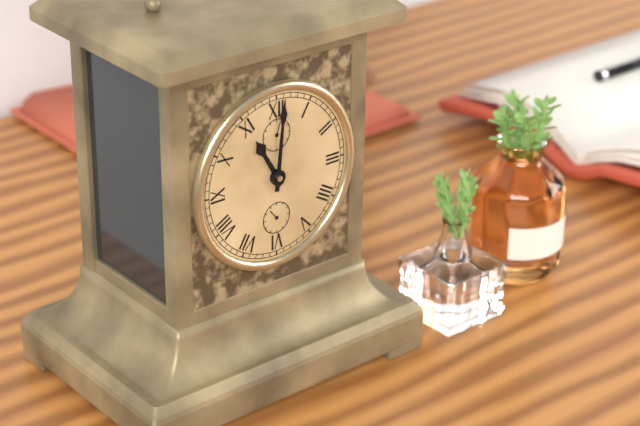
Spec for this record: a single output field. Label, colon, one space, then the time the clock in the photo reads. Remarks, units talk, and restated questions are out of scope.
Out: 11:01
